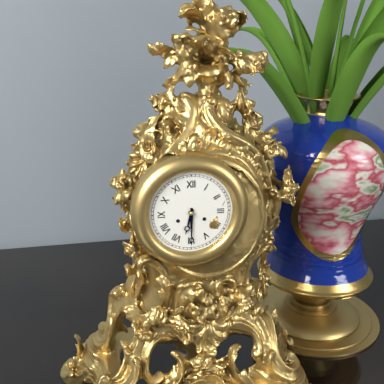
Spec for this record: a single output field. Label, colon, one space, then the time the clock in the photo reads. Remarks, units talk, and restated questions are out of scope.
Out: 6:30
